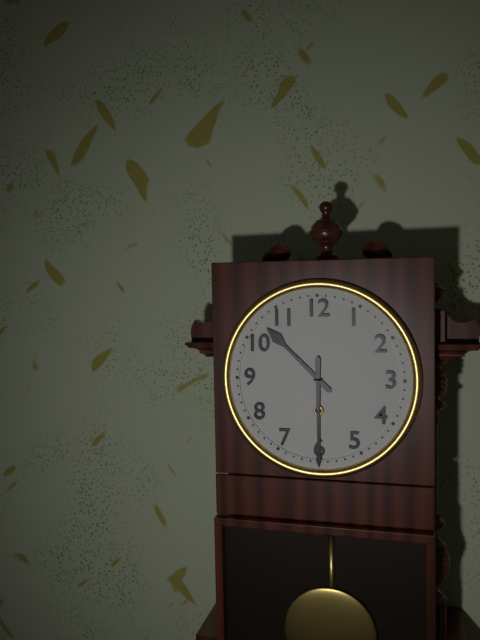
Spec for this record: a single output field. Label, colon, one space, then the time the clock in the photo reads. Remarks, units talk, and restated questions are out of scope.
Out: 10:30
